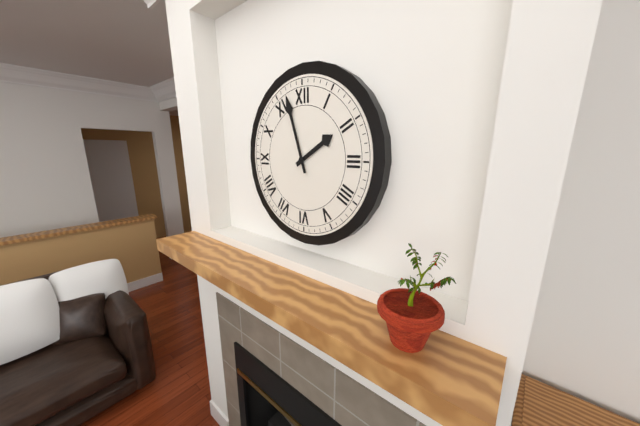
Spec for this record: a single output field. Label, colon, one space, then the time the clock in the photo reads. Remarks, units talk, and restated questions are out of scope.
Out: 1:57
